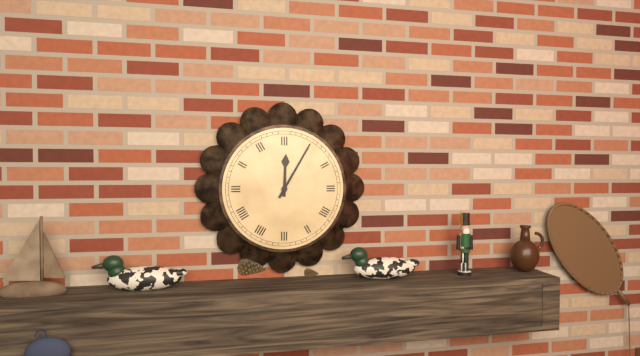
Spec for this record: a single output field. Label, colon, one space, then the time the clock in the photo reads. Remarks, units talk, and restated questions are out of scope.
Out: 12:05
